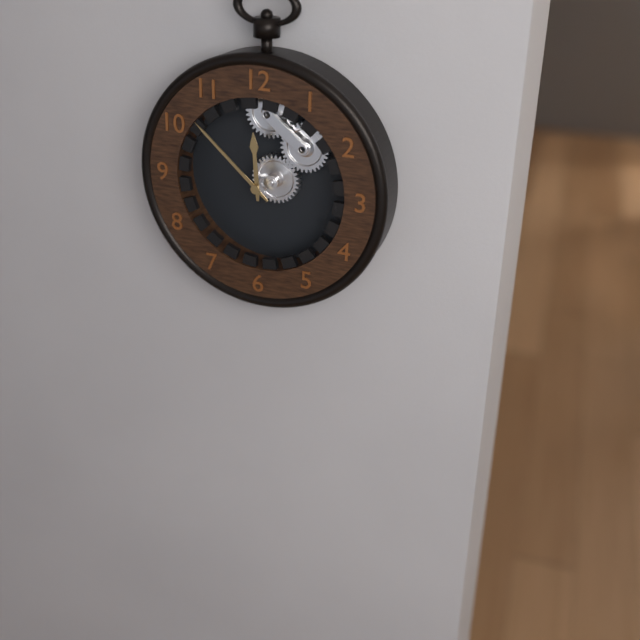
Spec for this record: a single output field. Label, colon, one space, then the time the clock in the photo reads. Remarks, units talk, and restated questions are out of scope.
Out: 11:52
